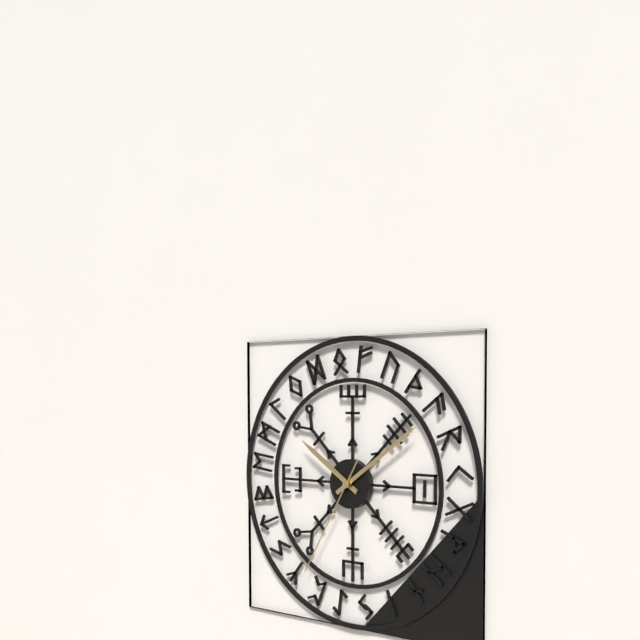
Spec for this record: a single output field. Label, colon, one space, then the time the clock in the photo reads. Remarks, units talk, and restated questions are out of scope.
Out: 10:09:35
